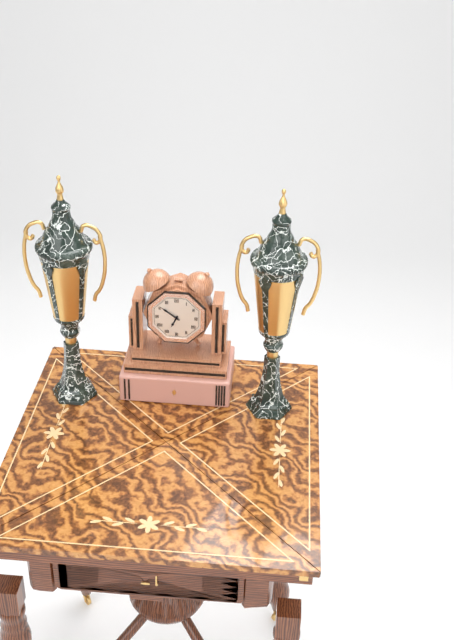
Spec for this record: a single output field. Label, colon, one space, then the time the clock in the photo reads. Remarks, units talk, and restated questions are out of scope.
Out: 6:51
